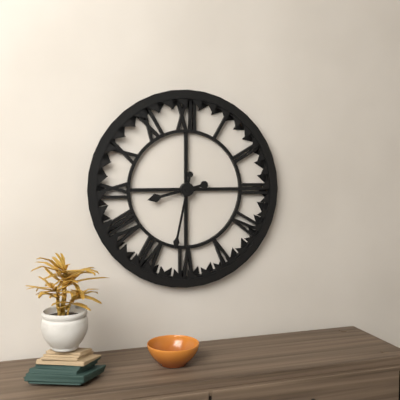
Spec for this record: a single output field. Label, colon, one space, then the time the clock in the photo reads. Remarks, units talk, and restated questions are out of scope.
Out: 8:32
